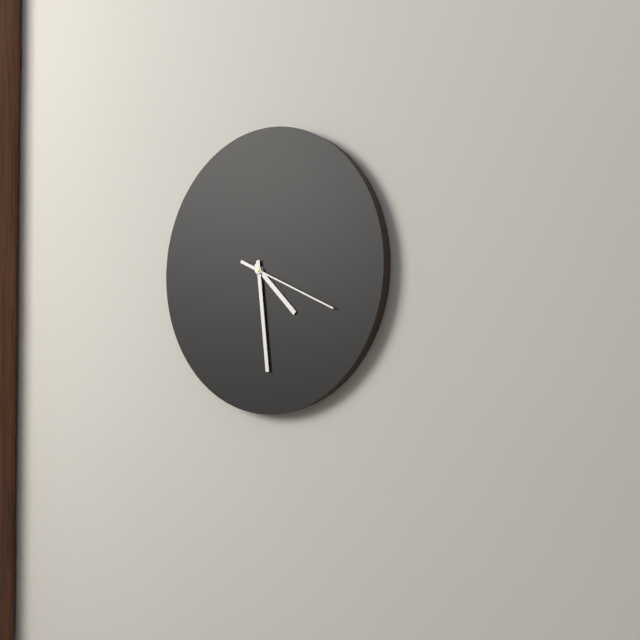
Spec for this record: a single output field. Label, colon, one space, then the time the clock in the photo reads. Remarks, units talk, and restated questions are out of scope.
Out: 4:29:19
